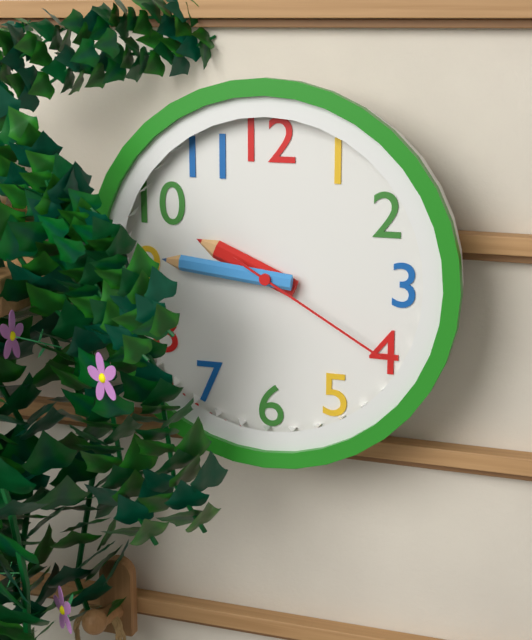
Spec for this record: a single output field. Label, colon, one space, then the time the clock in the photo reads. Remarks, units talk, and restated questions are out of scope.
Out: 9:46:20
